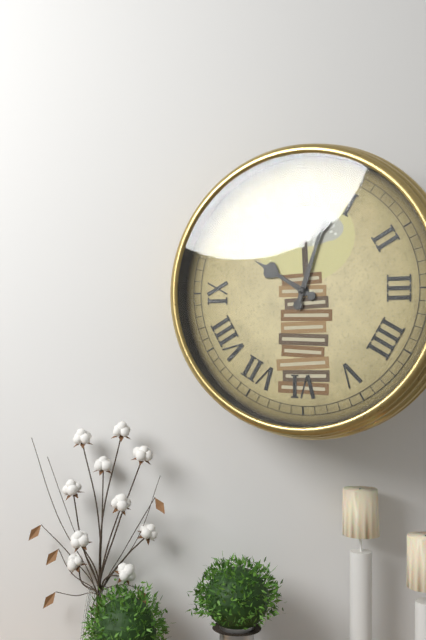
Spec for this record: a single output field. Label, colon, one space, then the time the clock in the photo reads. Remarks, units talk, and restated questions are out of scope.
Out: 10:03
